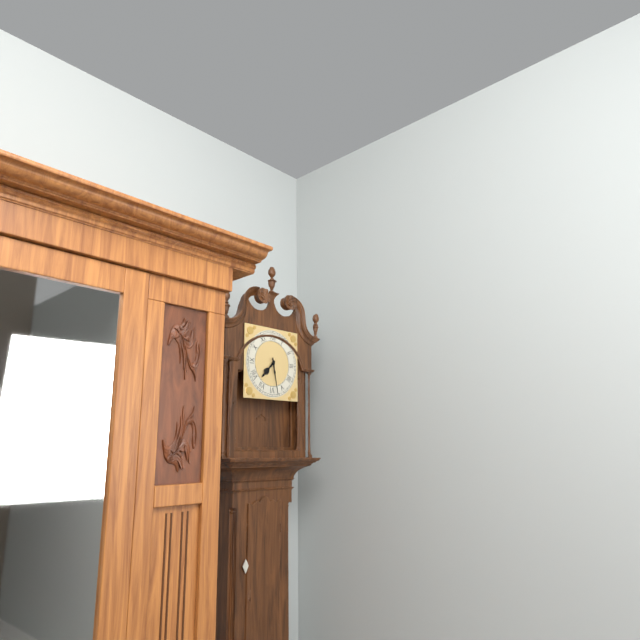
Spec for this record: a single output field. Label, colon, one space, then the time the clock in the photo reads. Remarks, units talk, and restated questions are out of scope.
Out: 7:28
